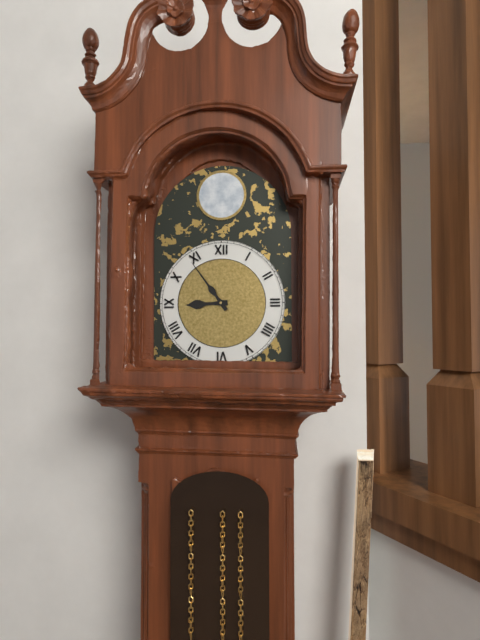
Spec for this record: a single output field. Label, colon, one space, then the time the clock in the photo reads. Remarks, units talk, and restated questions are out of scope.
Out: 8:54
